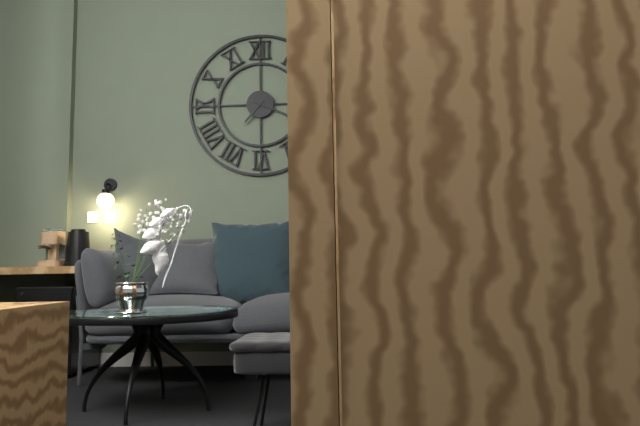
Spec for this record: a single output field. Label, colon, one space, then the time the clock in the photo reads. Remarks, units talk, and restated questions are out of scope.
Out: 7:19
